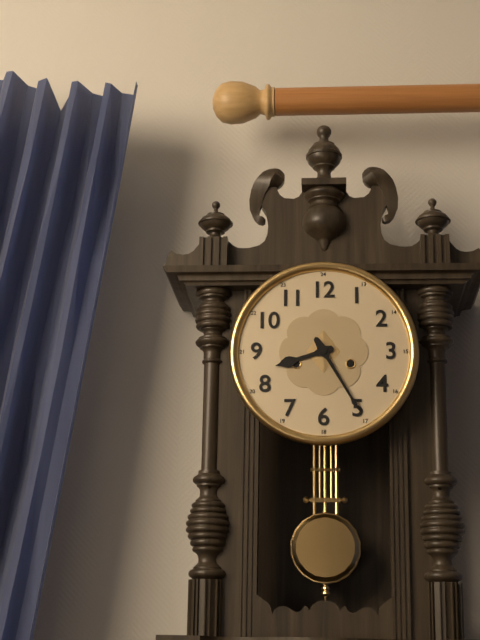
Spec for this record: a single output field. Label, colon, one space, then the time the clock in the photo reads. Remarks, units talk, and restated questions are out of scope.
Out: 8:25
